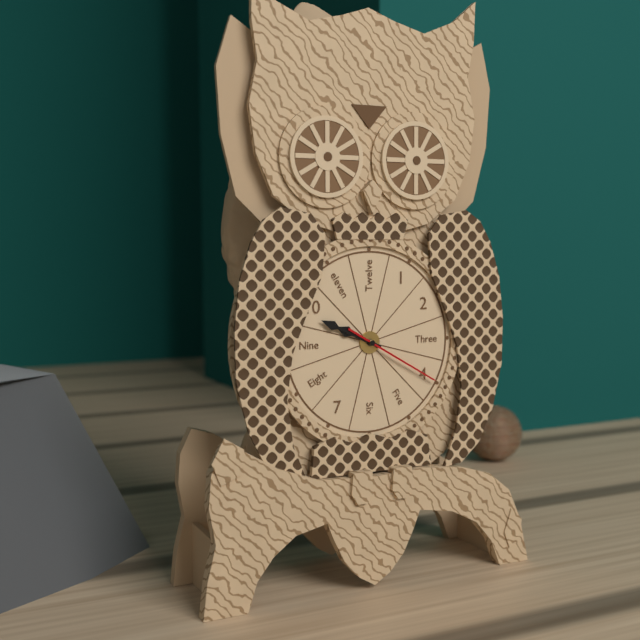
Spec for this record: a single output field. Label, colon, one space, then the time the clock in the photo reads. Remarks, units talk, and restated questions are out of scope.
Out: 9:49:20
